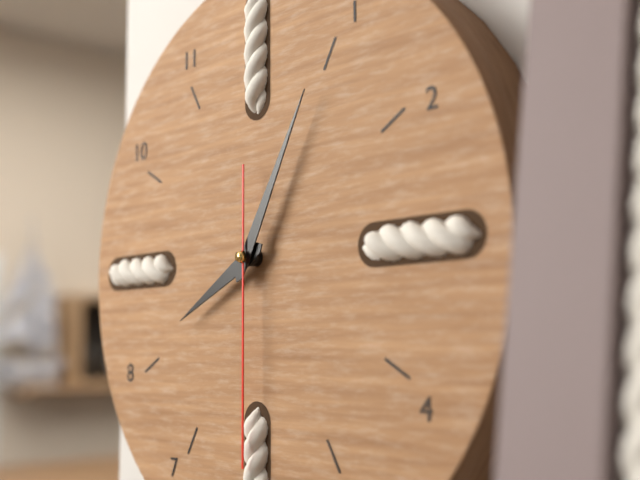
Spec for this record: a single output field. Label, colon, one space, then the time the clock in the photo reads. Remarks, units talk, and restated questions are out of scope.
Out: 8:05:30
